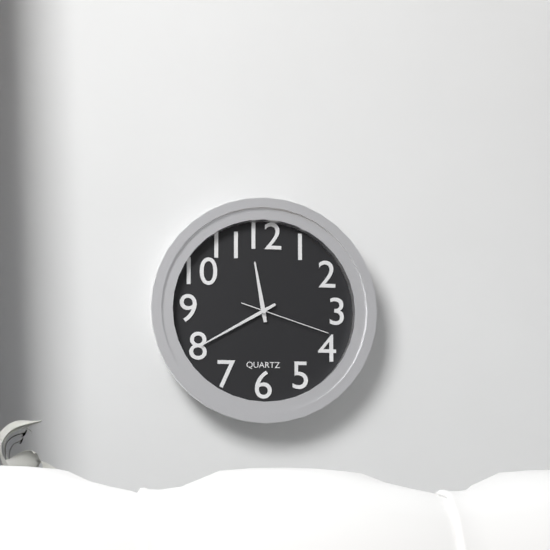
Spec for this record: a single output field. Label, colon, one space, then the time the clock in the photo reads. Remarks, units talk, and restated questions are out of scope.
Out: 11:40:18
